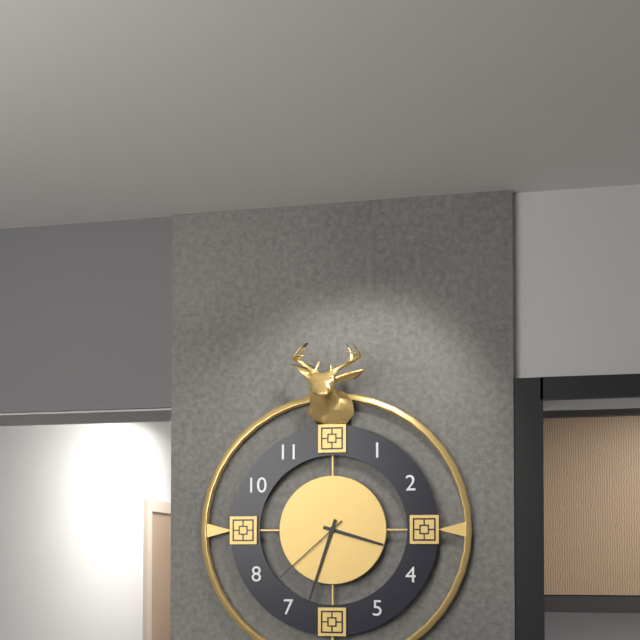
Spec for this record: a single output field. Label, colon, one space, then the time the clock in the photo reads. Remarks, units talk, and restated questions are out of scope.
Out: 3:33:38
